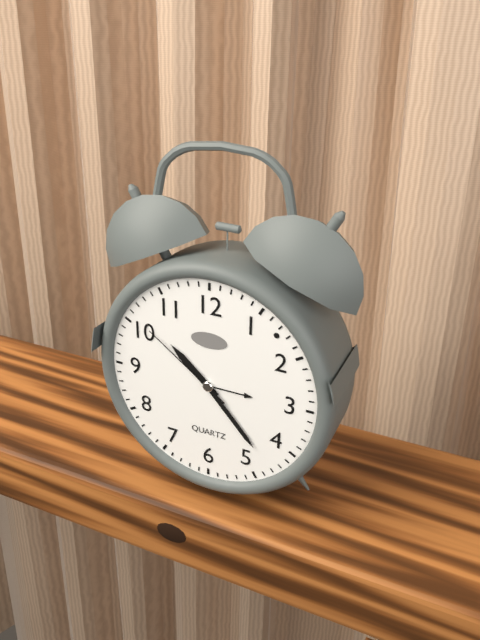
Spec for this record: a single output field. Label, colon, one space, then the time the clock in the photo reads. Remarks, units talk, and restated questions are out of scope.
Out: 10:23:51
